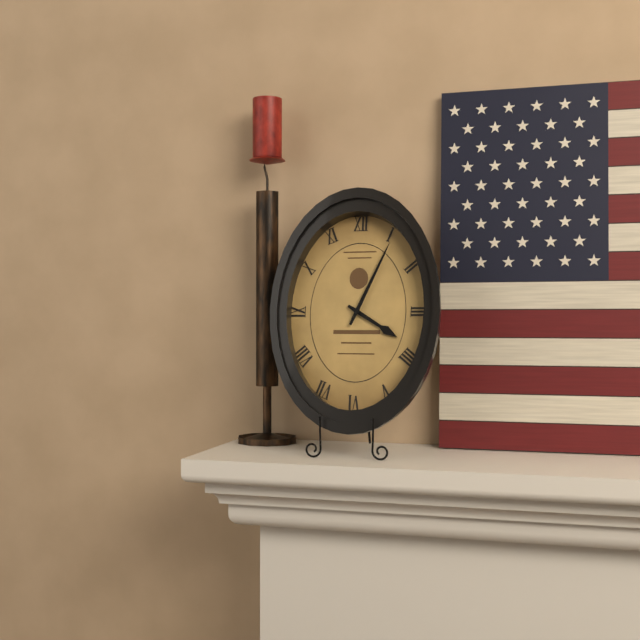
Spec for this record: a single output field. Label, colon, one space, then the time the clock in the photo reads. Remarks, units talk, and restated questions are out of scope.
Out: 4:04
